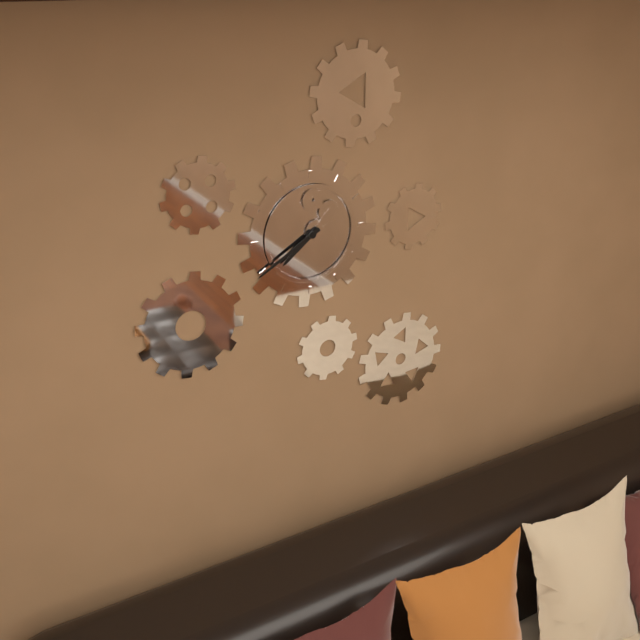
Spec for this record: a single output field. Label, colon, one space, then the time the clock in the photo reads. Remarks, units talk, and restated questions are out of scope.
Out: 7:40
